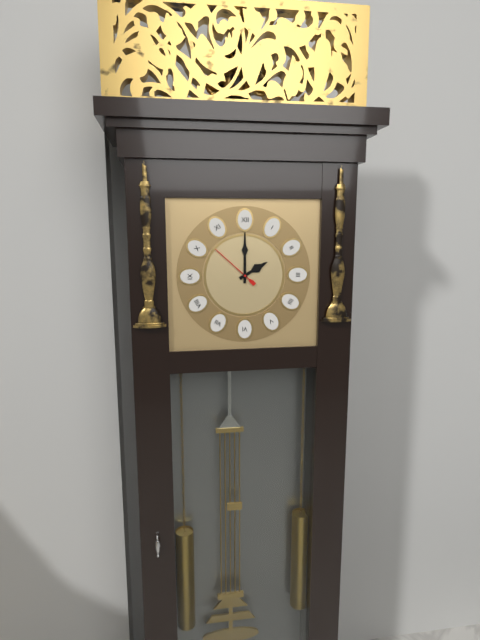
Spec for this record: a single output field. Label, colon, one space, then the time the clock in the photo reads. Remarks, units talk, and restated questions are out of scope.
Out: 2:00:52
